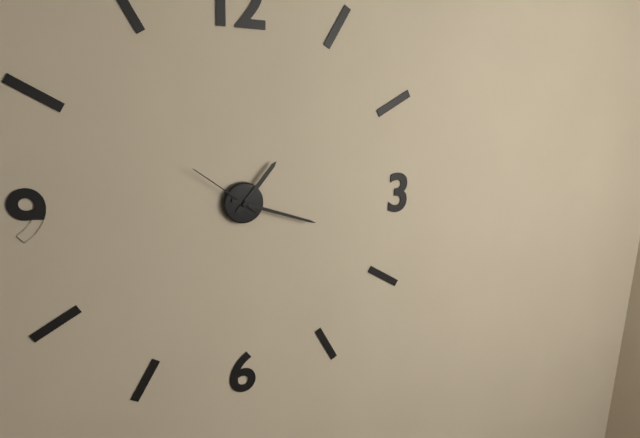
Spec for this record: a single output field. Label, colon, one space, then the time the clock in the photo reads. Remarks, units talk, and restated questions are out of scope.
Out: 1:18:51
